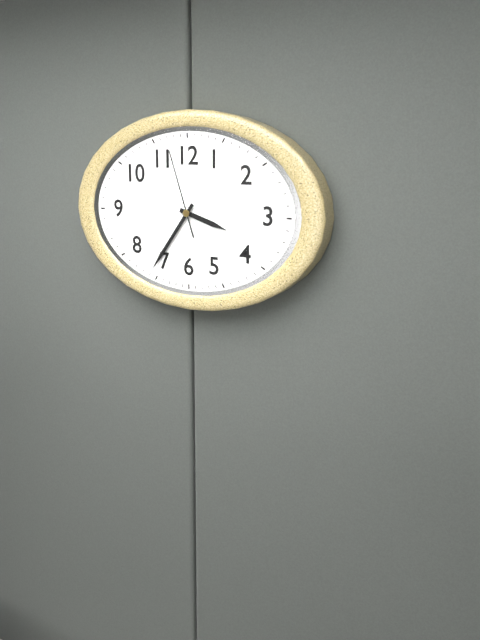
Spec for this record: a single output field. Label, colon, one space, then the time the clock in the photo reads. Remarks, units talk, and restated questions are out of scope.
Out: 3:36:57
